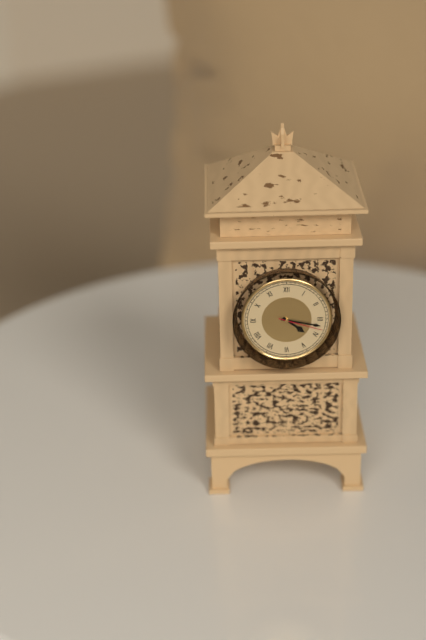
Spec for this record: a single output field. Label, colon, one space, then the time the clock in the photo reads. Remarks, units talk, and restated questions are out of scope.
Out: 4:17
